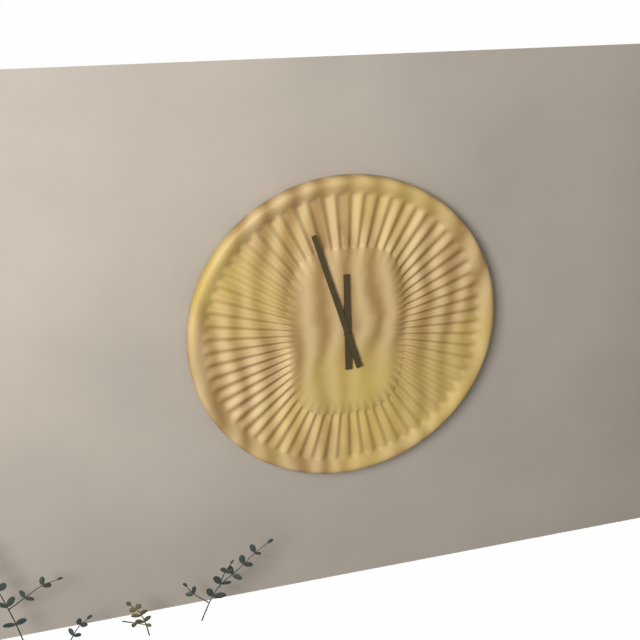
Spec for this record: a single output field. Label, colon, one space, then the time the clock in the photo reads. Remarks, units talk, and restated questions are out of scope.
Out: 11:57
